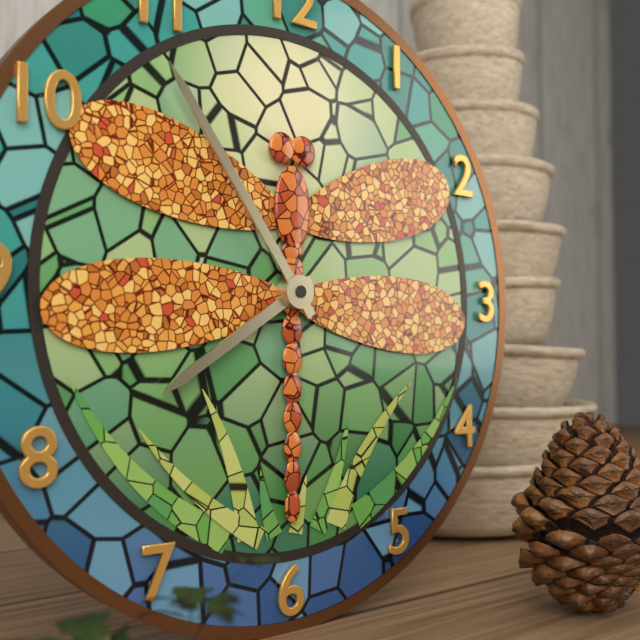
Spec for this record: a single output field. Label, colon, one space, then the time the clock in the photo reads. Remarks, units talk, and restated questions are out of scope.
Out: 7:54
